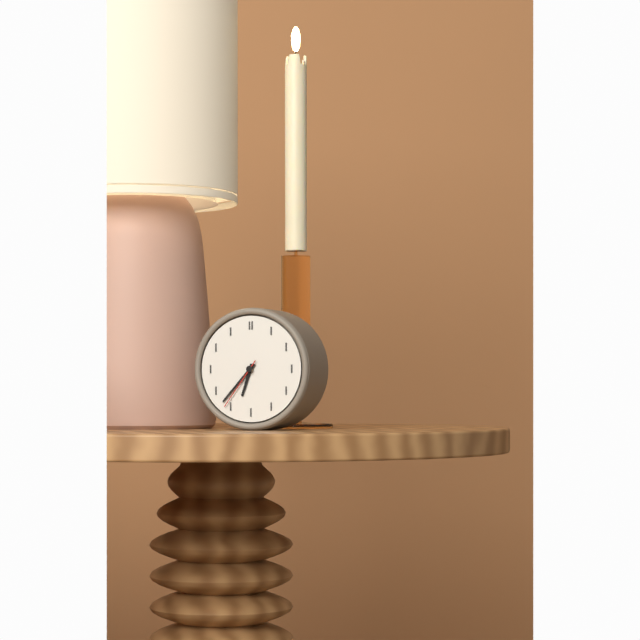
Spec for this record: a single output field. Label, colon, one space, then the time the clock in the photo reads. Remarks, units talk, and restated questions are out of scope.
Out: 6:37:36
